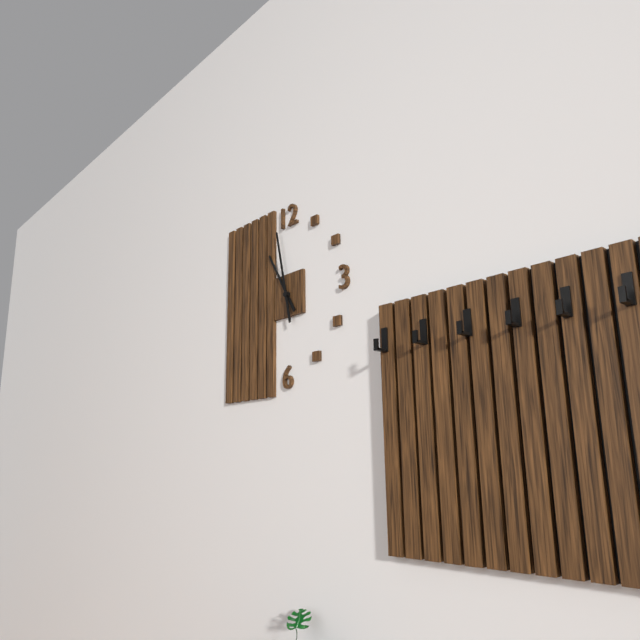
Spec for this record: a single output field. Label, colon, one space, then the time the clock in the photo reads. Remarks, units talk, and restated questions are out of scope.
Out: 10:58
